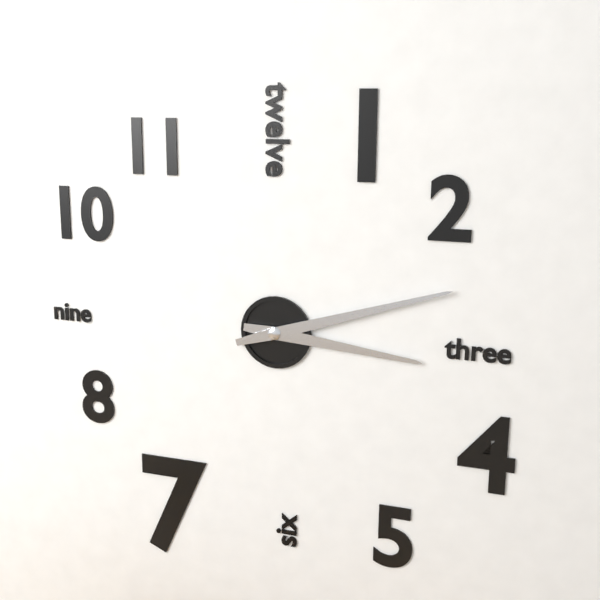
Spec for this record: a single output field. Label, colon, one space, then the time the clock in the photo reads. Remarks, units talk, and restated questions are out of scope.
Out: 3:12
